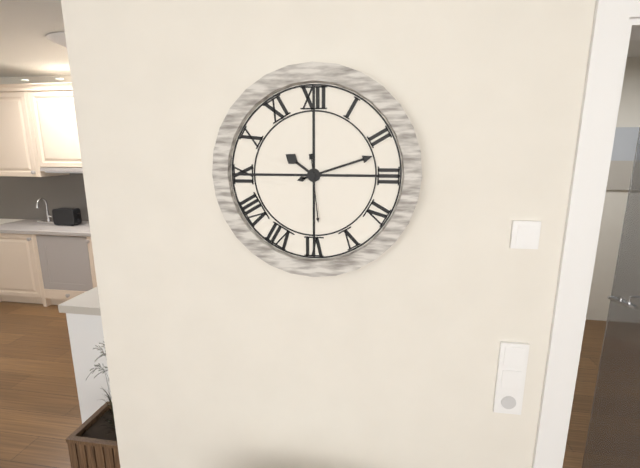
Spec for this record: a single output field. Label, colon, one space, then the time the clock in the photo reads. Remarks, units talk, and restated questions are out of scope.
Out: 10:12:29
